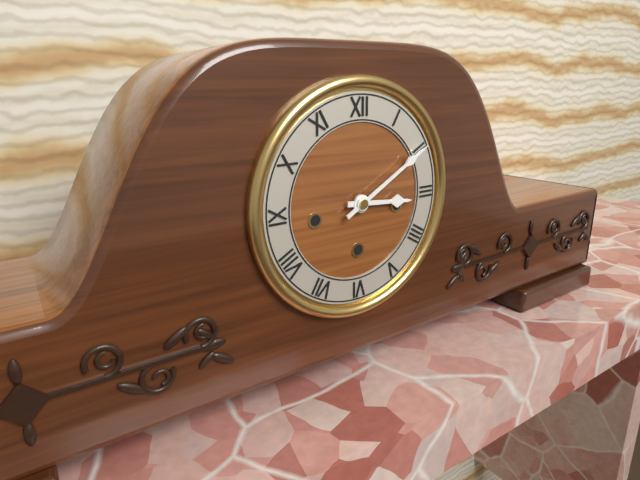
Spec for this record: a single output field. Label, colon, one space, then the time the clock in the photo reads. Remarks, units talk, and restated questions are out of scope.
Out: 3:10
